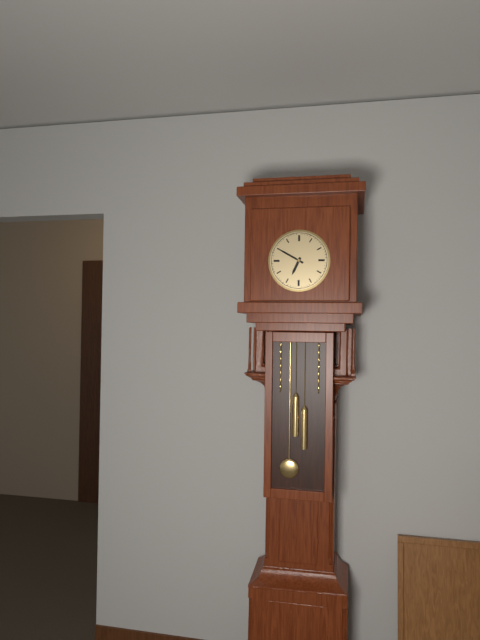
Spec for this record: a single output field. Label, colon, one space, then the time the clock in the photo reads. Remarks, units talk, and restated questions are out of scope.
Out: 6:50
